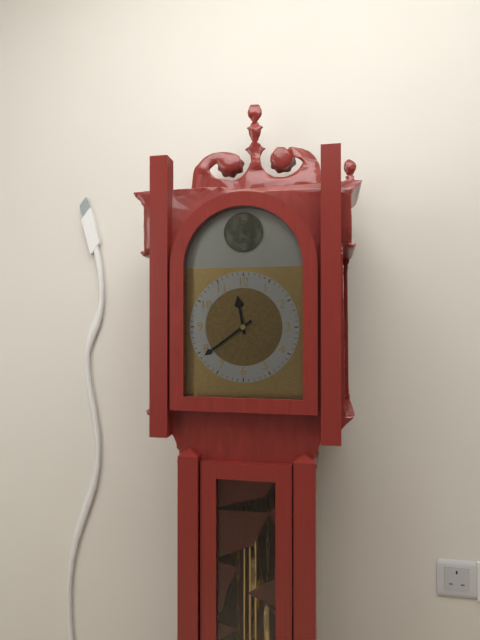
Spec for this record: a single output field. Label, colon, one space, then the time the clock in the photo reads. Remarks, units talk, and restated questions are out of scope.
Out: 11:39
